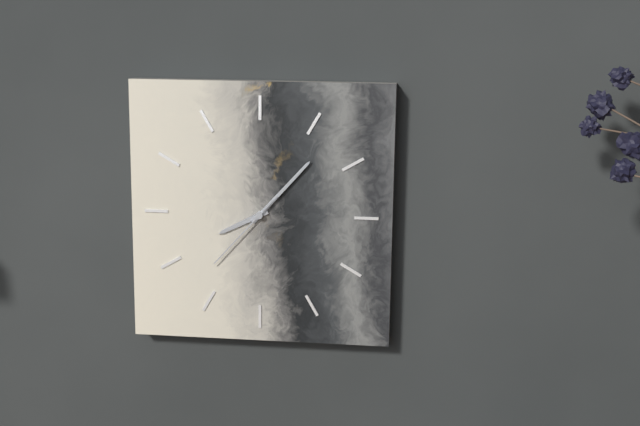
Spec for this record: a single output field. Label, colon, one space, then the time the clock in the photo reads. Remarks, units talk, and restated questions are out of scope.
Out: 8:07:37
